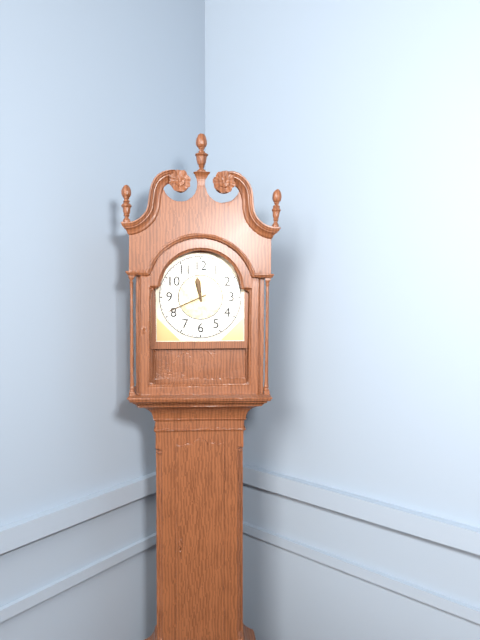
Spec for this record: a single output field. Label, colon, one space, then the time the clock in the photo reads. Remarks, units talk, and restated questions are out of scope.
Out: 11:41
